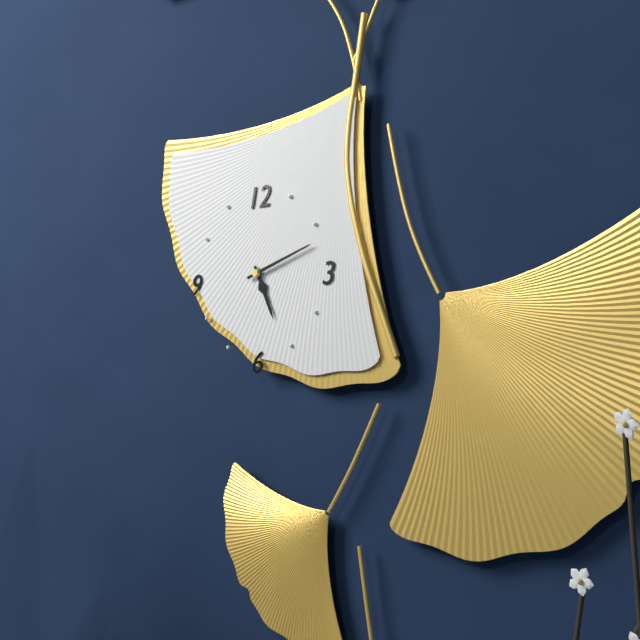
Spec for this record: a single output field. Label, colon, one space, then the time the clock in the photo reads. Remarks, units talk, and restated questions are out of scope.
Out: 5:12
